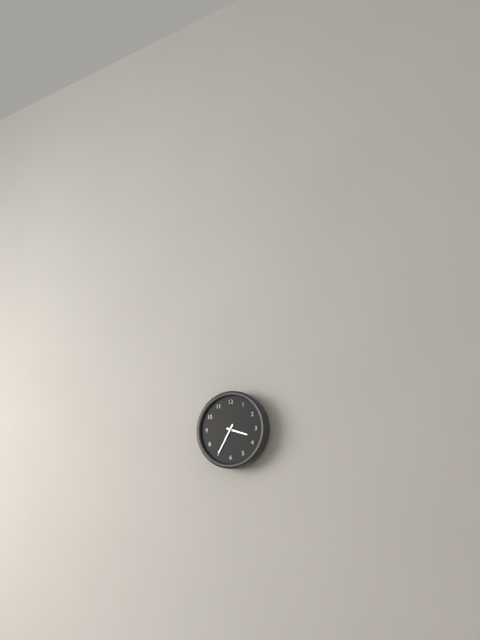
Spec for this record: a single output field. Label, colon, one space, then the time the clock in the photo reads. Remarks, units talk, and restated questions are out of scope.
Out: 3:35
